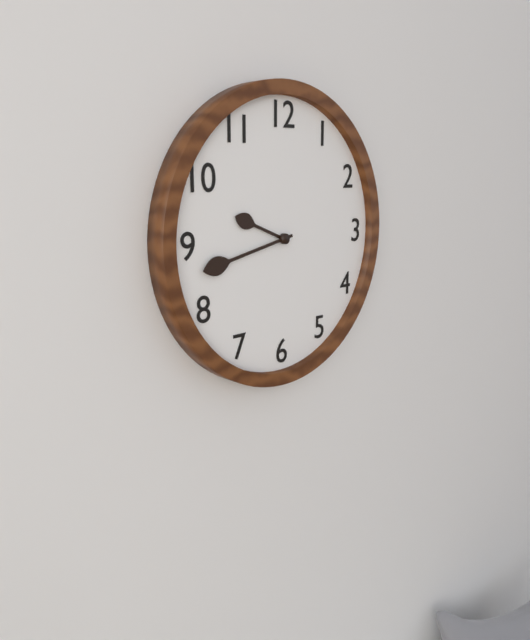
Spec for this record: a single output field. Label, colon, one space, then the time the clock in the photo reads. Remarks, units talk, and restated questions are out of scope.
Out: 9:43
